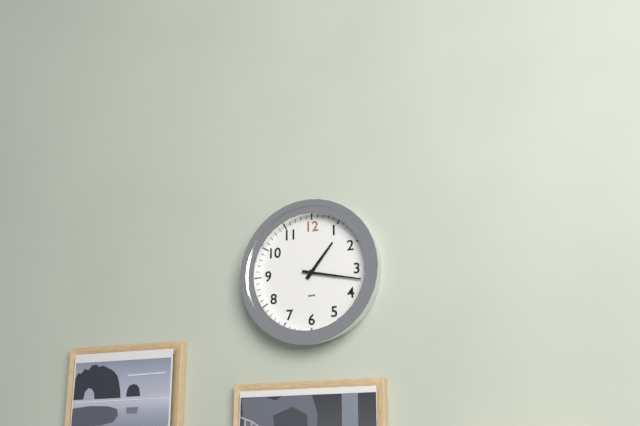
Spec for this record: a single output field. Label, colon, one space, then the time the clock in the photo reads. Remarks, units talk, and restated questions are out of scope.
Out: 1:17
